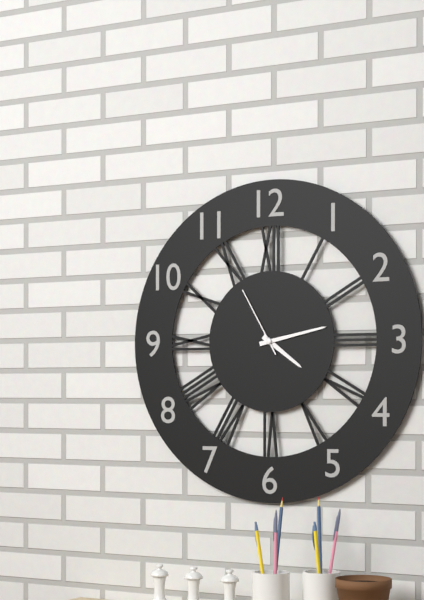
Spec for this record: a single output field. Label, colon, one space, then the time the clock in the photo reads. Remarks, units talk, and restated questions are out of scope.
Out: 4:13:55
